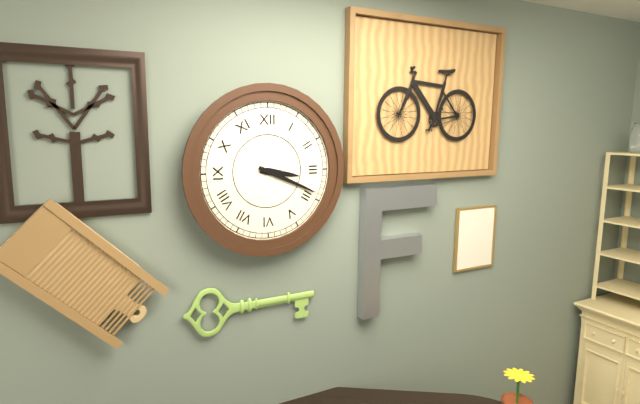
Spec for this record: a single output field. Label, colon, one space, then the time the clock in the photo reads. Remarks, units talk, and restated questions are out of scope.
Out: 3:19
